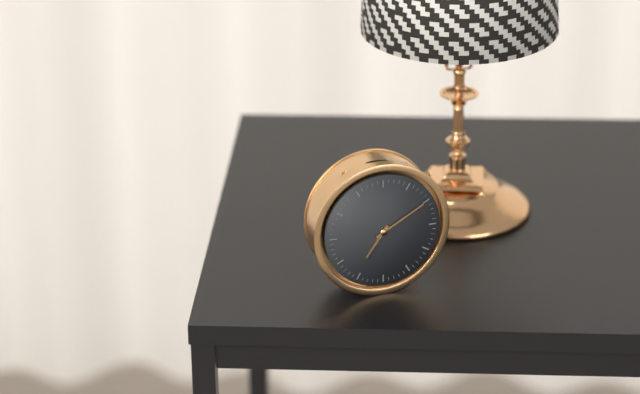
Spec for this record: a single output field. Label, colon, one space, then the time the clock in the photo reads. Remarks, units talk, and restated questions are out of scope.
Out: 7:10
